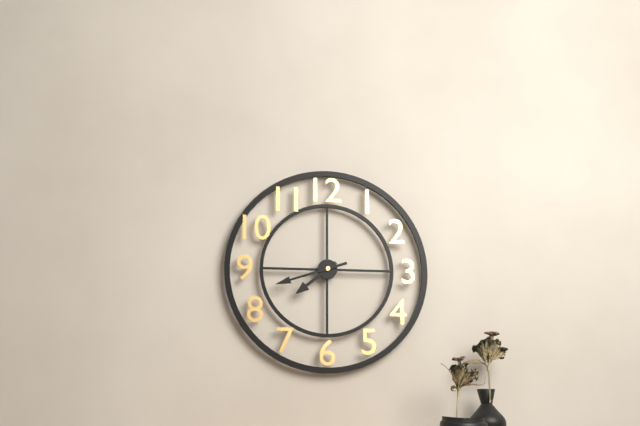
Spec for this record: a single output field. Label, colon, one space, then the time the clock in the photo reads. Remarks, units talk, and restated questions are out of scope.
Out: 7:42
